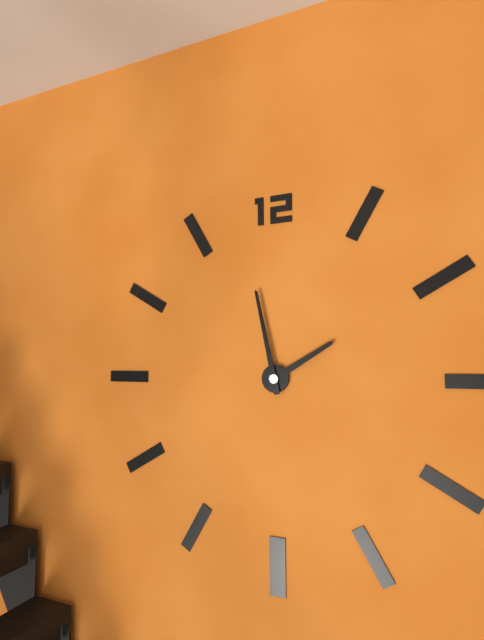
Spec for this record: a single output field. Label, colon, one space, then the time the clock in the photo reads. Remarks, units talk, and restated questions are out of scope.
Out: 1:58
